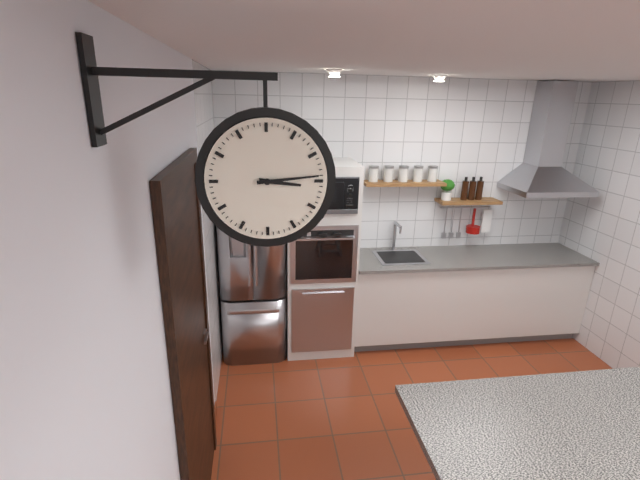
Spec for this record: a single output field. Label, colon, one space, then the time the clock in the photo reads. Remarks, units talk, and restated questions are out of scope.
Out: 3:14
